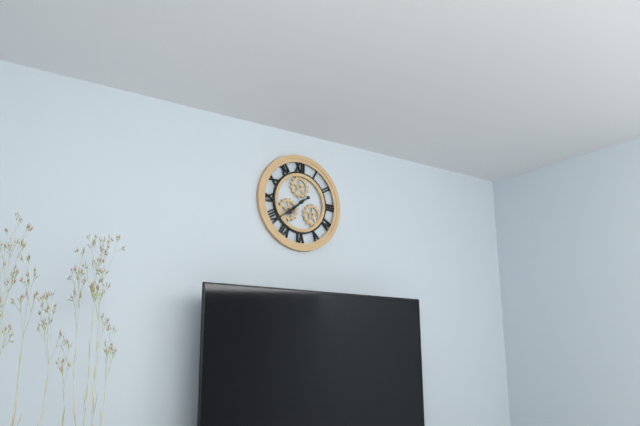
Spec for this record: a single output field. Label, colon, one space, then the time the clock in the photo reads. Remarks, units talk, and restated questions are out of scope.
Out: 7:39
